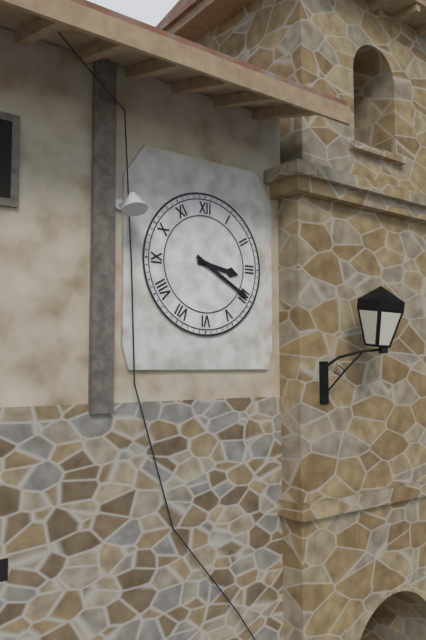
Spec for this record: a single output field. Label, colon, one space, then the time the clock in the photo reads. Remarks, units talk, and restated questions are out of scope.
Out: 3:20
